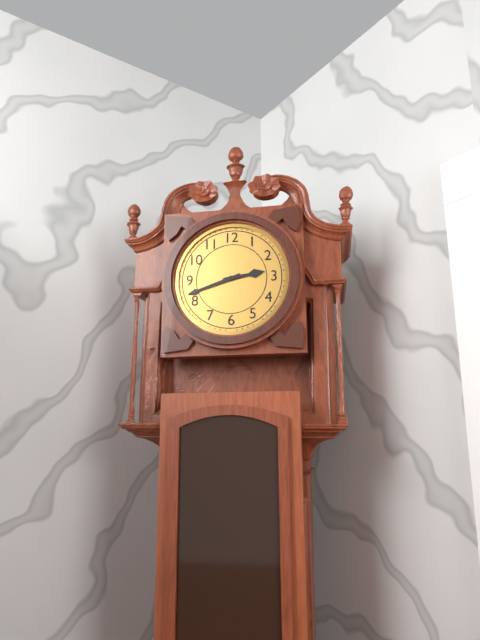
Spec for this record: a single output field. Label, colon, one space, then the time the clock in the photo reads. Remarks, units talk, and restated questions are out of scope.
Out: 2:42
